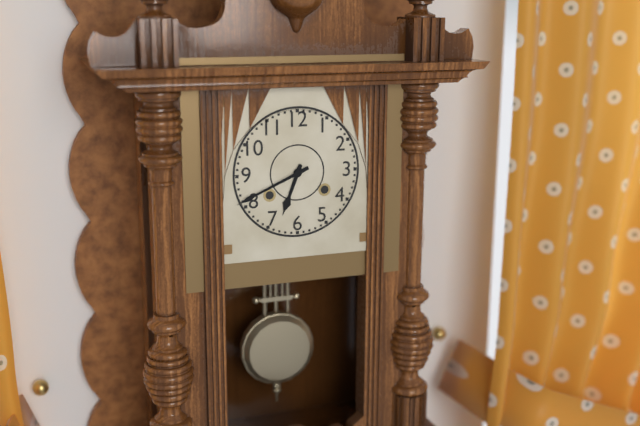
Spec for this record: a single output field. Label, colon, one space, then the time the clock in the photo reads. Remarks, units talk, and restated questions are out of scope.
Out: 6:41
